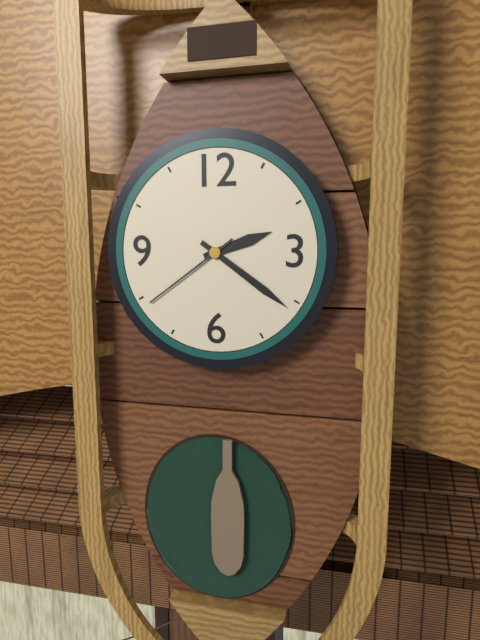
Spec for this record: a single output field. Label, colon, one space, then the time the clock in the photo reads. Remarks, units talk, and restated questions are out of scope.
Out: 2:21:39
